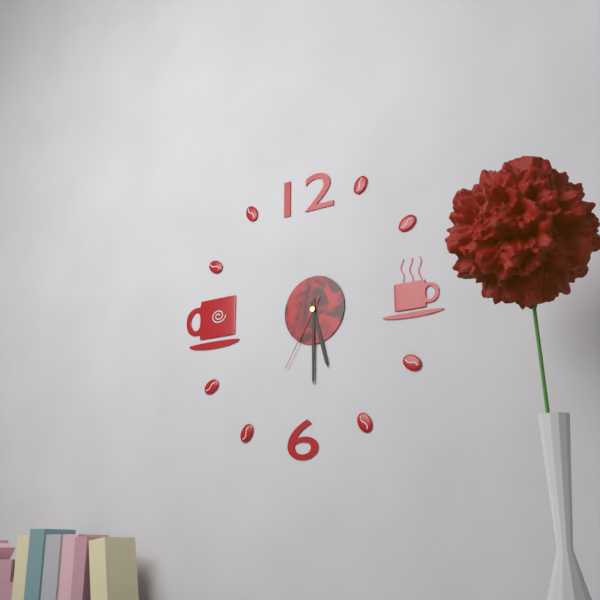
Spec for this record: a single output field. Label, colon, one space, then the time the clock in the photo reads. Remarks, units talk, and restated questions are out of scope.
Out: 5:30:35
